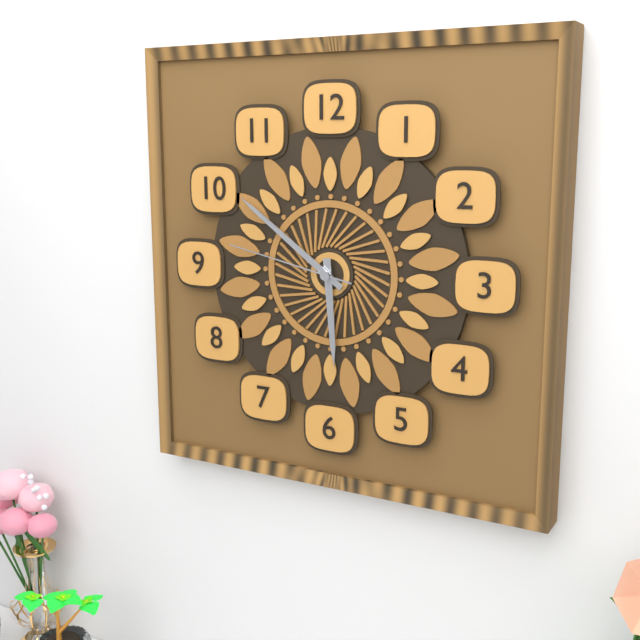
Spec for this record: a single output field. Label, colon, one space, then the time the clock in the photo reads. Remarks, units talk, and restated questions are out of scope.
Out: 5:51:47
